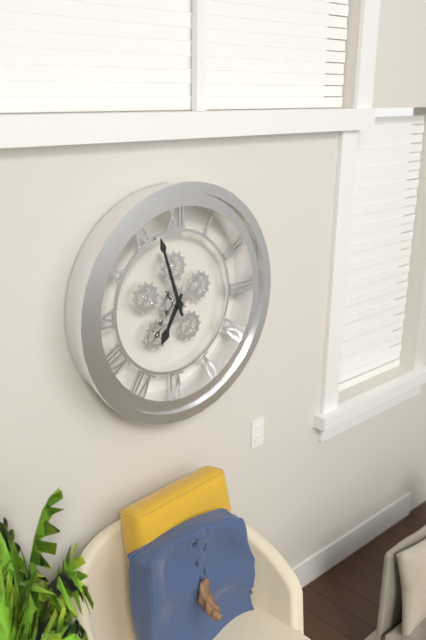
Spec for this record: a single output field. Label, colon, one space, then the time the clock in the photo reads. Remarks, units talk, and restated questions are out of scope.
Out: 6:57
